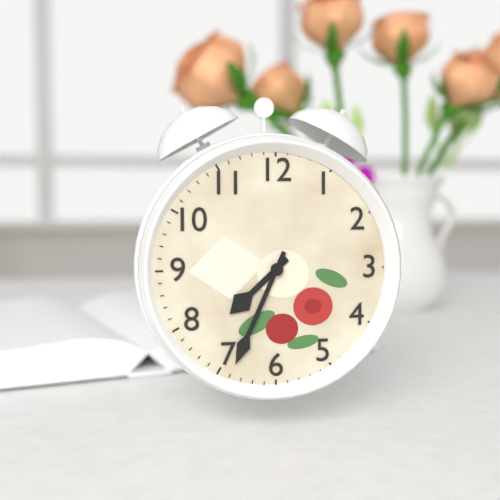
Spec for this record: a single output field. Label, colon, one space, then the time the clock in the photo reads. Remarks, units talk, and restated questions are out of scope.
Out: 7:34
